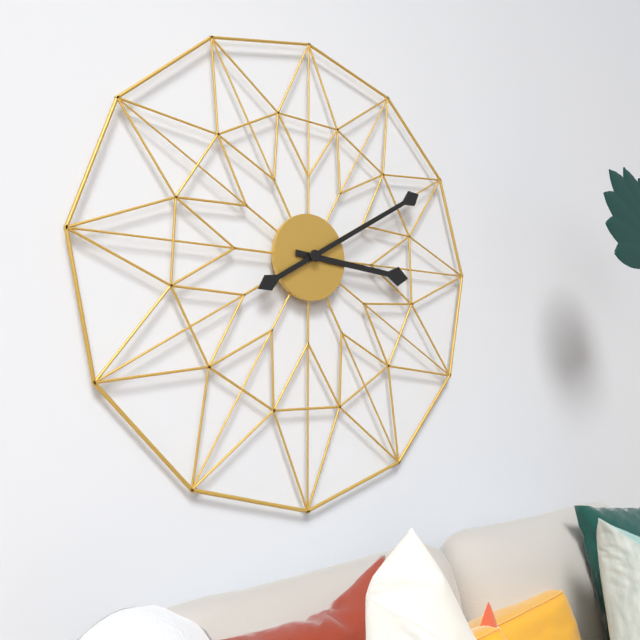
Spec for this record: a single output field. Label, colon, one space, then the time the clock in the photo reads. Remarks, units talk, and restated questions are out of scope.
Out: 3:10
